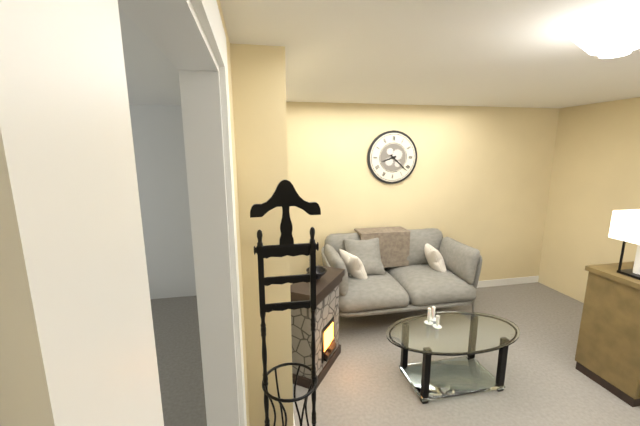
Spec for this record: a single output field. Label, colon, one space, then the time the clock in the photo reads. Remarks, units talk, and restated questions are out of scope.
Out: 8:22
